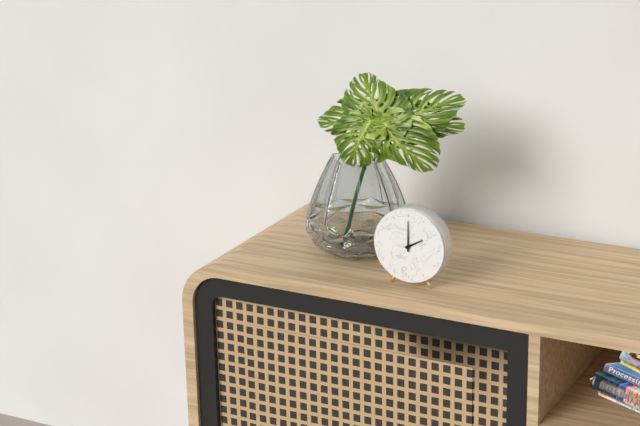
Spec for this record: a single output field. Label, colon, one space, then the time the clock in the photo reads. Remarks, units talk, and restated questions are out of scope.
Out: 2:00
